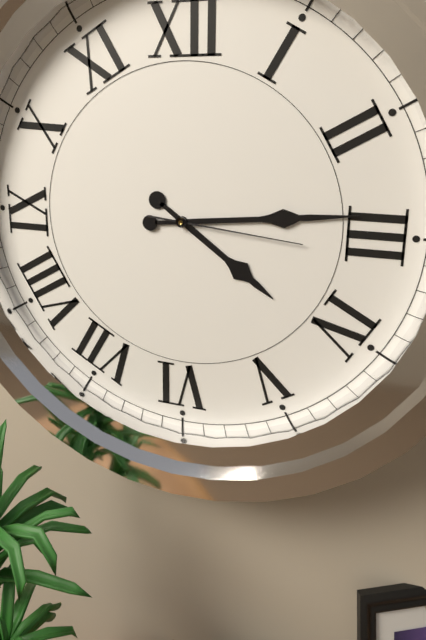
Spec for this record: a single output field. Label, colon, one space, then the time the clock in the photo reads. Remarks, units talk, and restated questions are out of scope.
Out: 4:14:16
